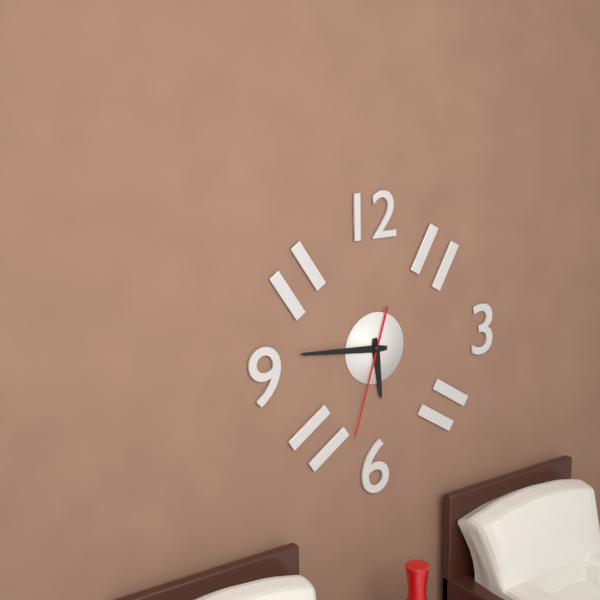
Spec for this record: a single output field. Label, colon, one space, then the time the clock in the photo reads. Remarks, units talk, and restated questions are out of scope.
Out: 5:46:33
